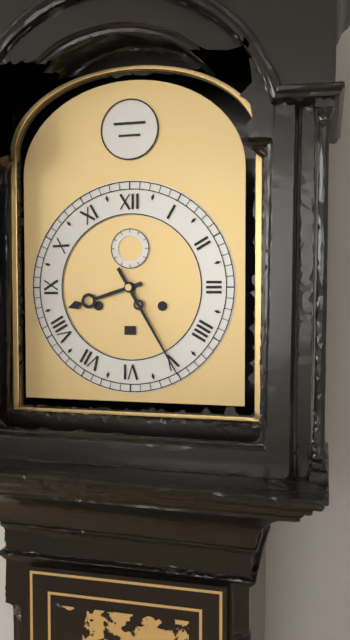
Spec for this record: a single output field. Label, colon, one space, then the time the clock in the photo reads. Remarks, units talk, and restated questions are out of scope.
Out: 8:25
